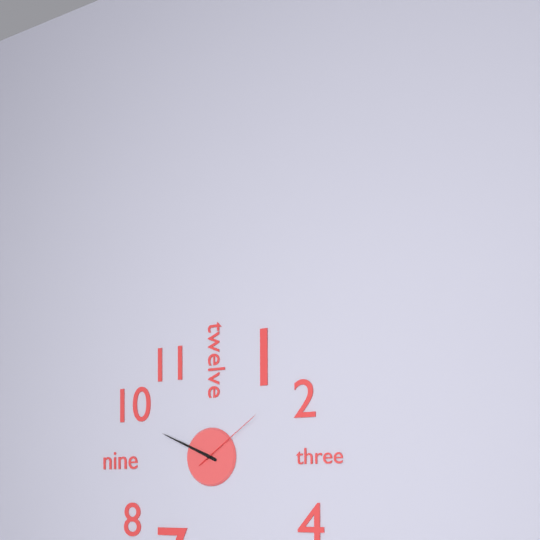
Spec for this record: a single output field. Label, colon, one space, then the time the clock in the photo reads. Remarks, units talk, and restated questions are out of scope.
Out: 9:49:09
